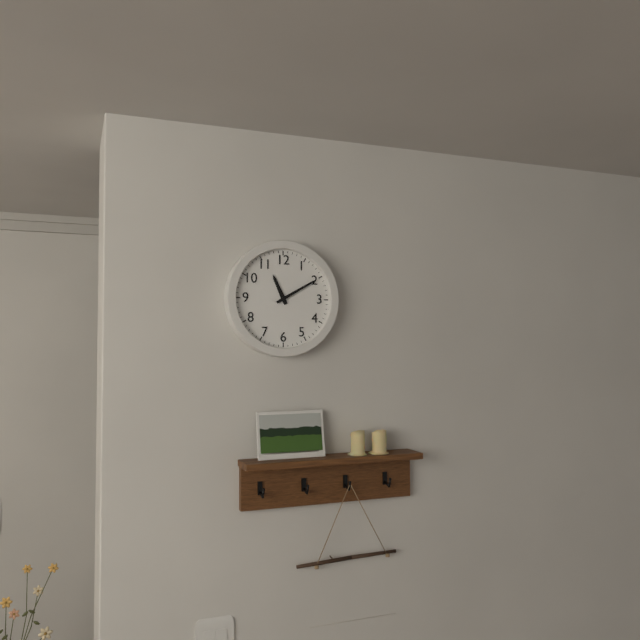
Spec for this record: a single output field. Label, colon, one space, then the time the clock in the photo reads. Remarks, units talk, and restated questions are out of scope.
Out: 11:10
